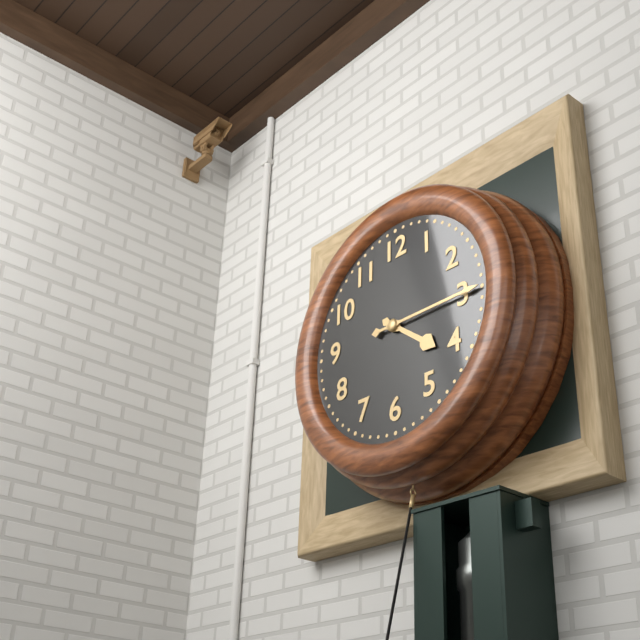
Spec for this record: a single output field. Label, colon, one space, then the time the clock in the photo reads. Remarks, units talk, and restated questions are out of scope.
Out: 4:15
